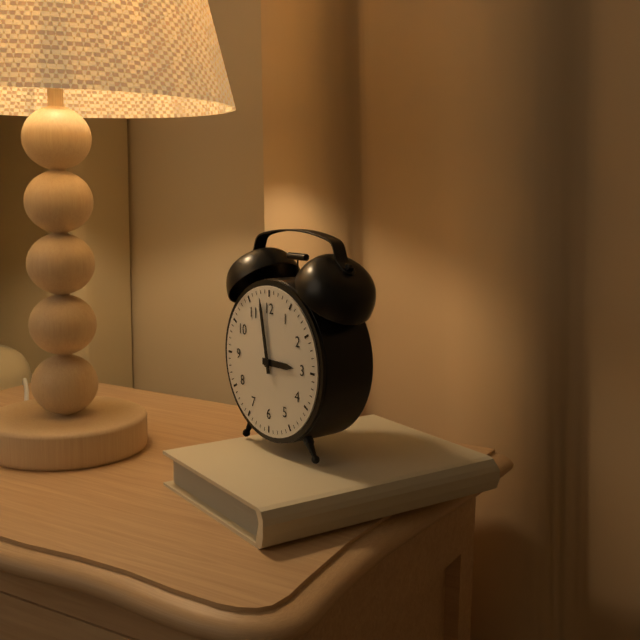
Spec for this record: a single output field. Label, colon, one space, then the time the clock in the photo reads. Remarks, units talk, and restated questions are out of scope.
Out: 2:58
